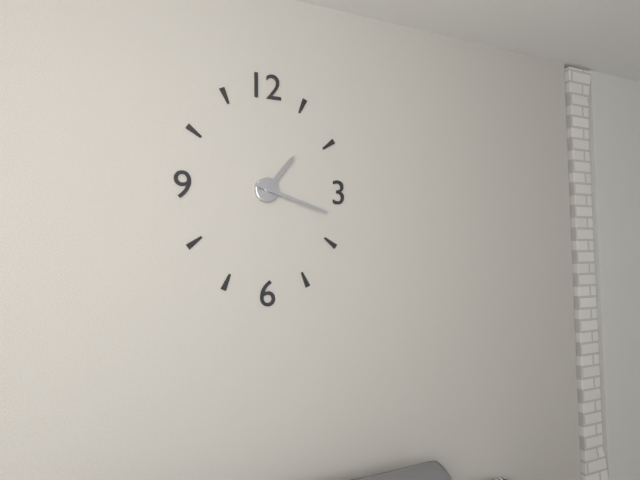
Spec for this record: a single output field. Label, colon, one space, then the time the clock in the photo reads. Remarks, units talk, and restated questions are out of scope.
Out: 1:18
